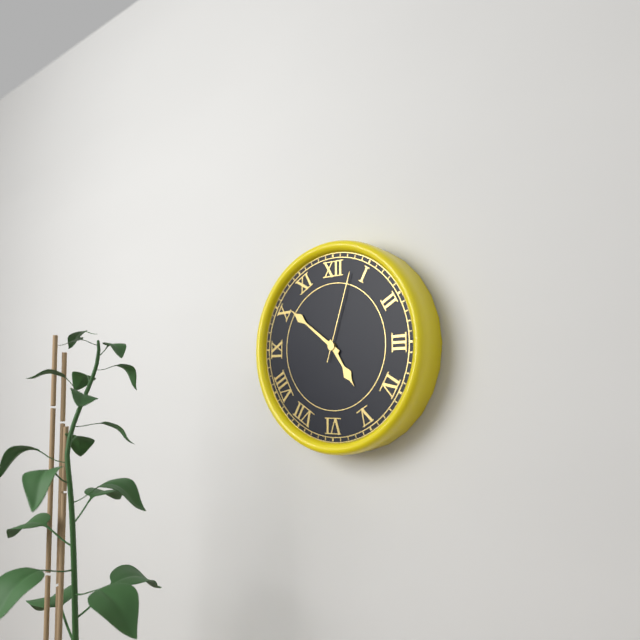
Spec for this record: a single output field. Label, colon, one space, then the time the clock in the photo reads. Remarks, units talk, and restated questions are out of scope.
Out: 4:51:03
